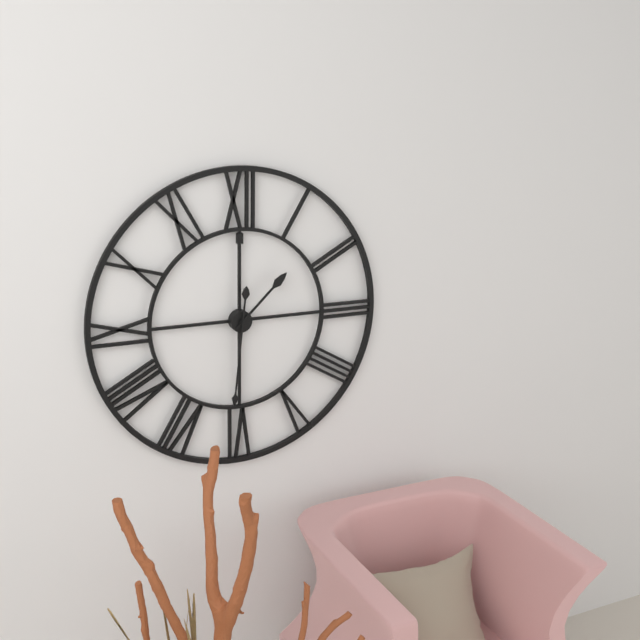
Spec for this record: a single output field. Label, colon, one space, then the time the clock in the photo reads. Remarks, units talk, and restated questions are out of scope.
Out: 1:31
